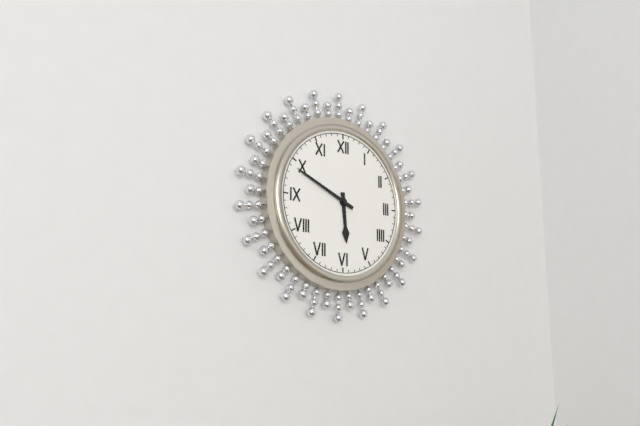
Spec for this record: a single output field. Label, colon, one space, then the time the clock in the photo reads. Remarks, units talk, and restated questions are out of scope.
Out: 5:49
